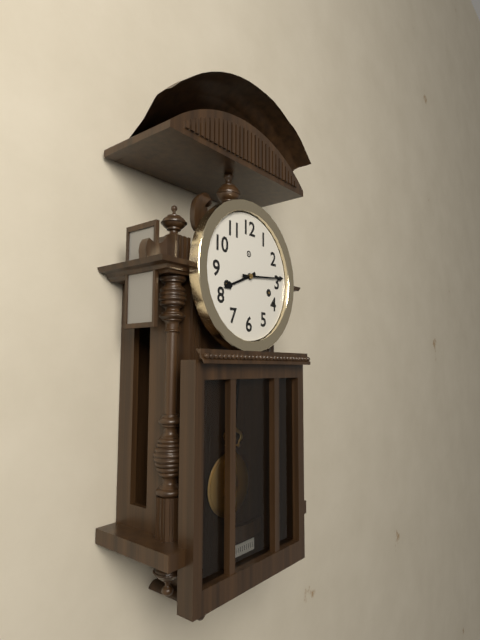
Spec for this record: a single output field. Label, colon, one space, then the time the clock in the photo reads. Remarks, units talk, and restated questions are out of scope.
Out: 8:14
